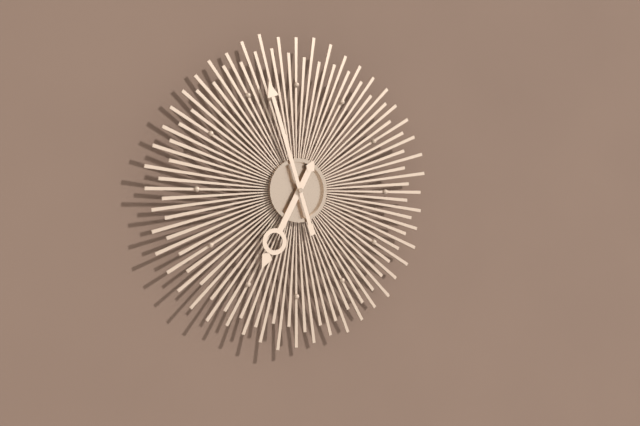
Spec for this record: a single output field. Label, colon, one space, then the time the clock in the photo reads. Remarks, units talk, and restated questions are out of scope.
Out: 6:57
